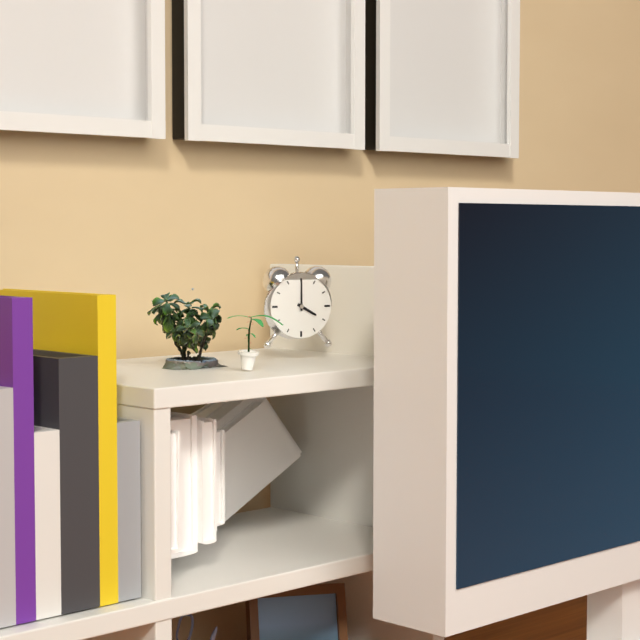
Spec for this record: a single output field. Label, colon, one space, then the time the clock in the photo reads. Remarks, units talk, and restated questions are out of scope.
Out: 4:00
